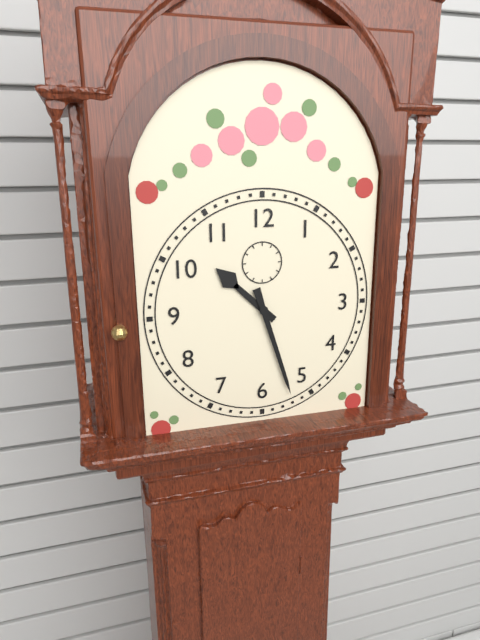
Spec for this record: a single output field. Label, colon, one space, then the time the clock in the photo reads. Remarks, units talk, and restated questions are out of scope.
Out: 10:27
